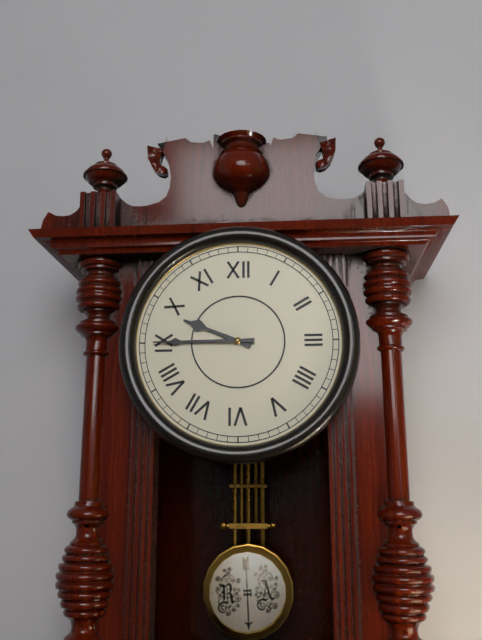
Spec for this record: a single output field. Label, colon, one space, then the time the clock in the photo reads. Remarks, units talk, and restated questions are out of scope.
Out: 9:45
